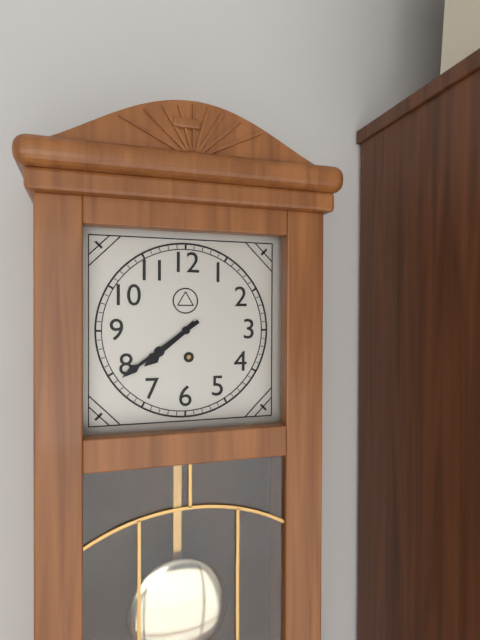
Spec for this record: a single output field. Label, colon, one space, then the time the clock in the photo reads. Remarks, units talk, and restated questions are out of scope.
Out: 7:39
